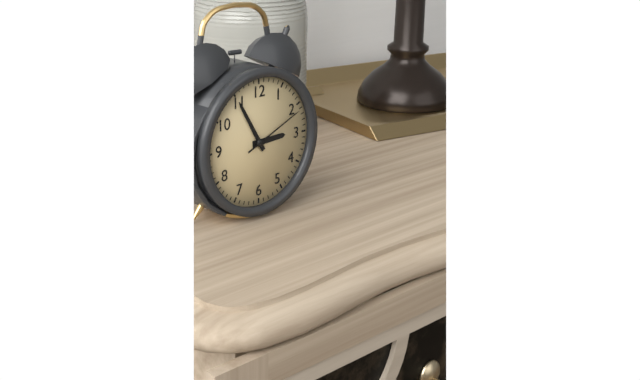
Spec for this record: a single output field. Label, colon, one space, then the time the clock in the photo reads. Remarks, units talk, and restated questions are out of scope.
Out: 2:55:11
